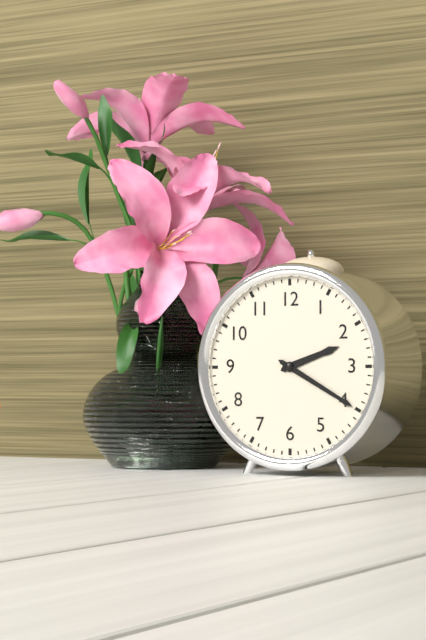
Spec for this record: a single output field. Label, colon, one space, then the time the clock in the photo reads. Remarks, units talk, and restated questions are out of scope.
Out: 2:20
